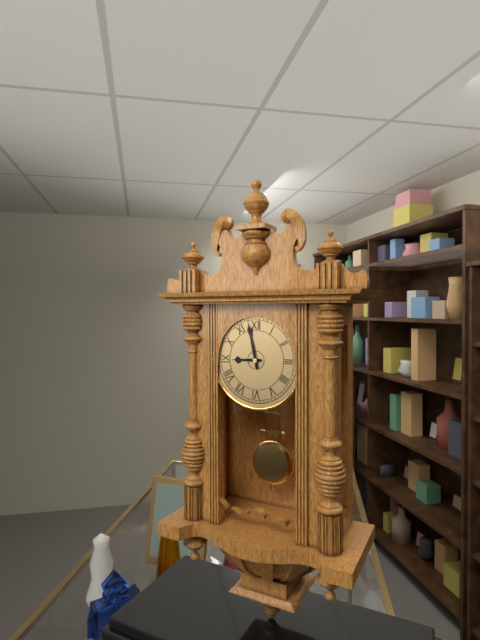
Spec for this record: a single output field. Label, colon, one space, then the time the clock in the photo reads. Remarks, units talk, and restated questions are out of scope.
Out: 8:58
